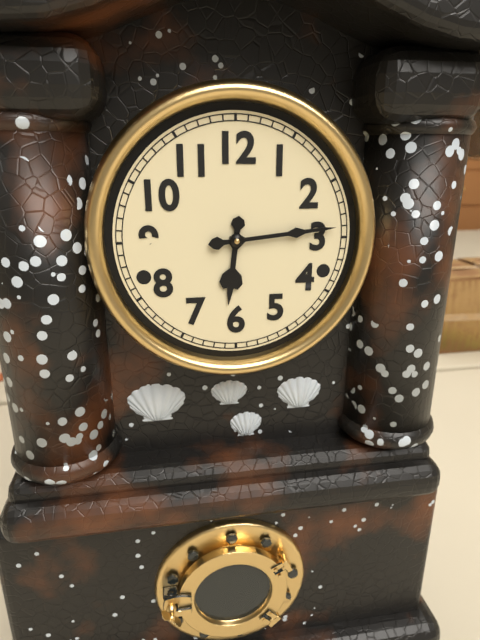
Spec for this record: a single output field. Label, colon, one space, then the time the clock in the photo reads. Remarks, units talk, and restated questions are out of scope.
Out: 6:14
